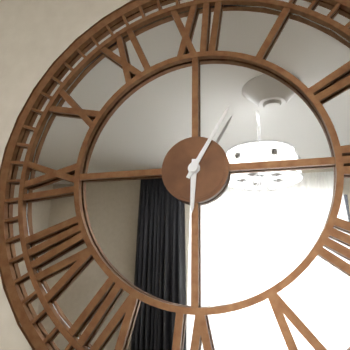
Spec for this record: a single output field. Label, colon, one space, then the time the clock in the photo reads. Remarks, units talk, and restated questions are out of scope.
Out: 6:05
